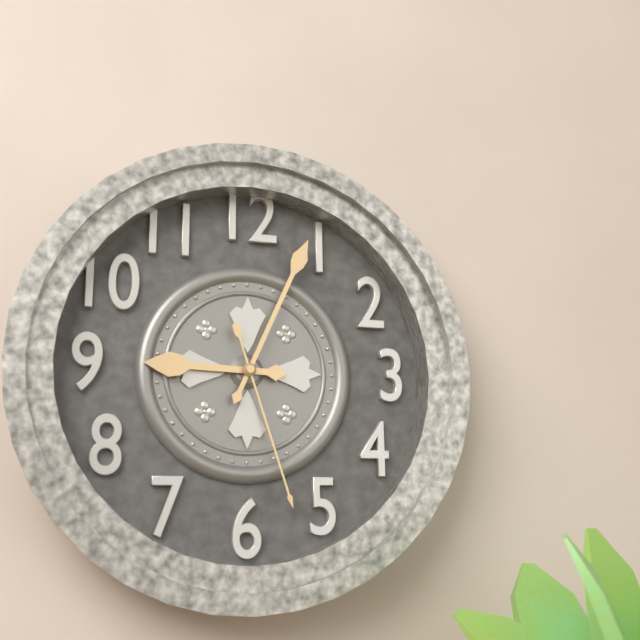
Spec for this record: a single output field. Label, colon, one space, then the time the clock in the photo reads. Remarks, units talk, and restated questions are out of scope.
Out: 9:04:27
